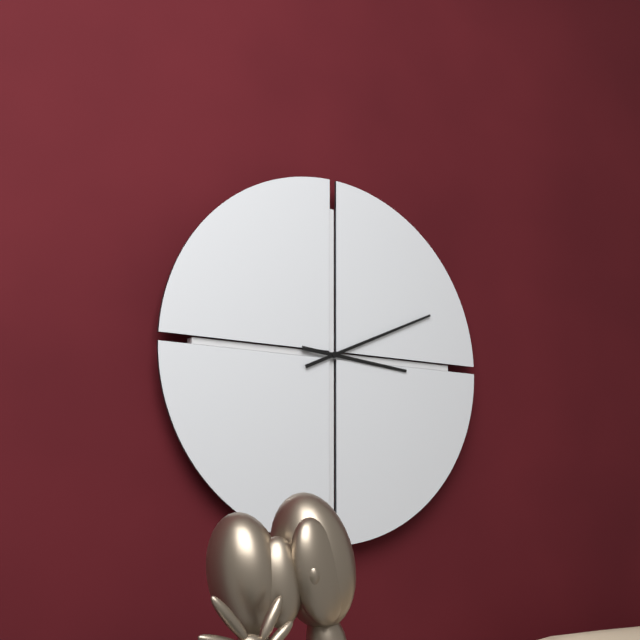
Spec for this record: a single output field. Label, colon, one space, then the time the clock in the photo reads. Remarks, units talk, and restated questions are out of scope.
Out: 3:11
